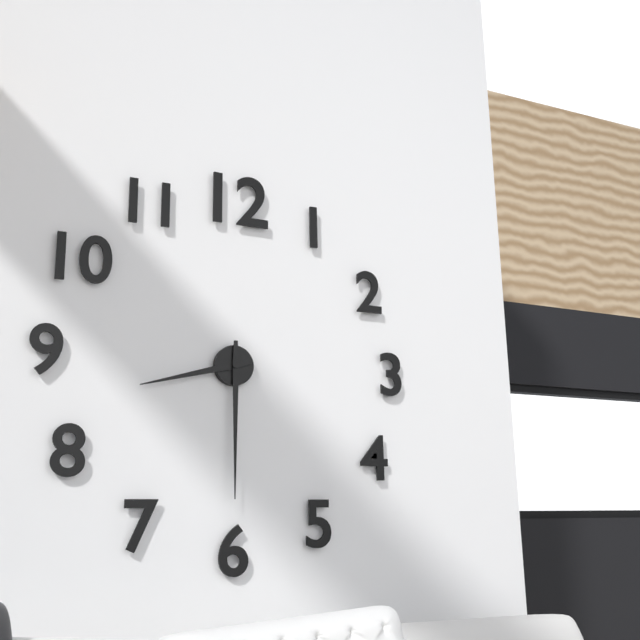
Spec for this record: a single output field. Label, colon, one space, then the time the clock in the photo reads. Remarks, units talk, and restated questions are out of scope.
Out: 8:30
